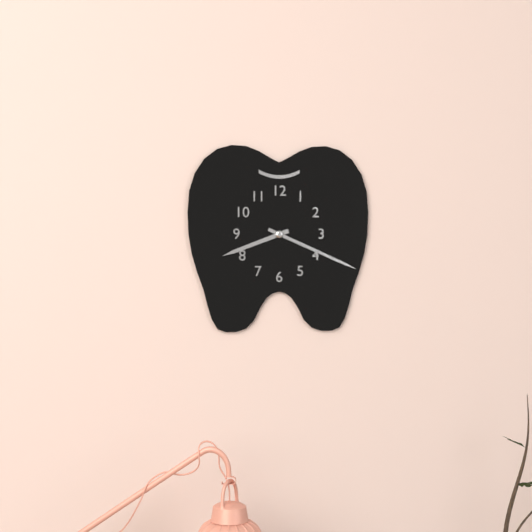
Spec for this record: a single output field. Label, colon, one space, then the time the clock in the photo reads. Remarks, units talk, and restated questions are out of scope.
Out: 8:19
